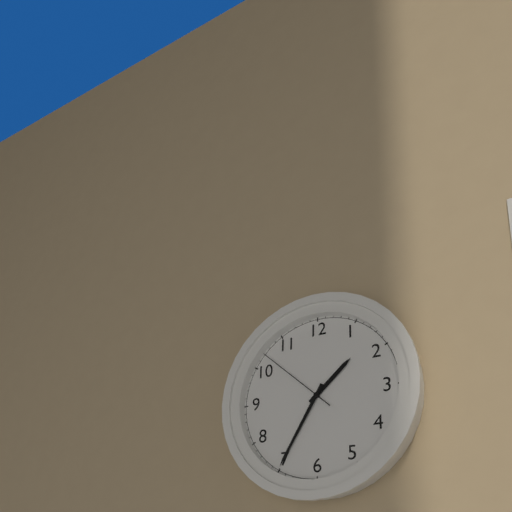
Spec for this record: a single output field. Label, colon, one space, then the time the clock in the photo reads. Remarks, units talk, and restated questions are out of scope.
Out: 1:35:52
